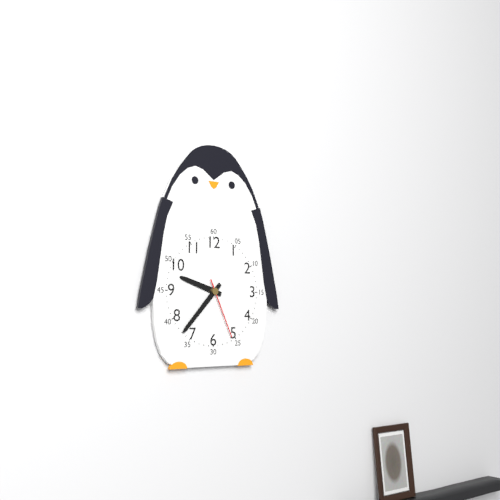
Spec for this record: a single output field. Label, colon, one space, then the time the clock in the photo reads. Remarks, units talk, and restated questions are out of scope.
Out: 9:37:26
